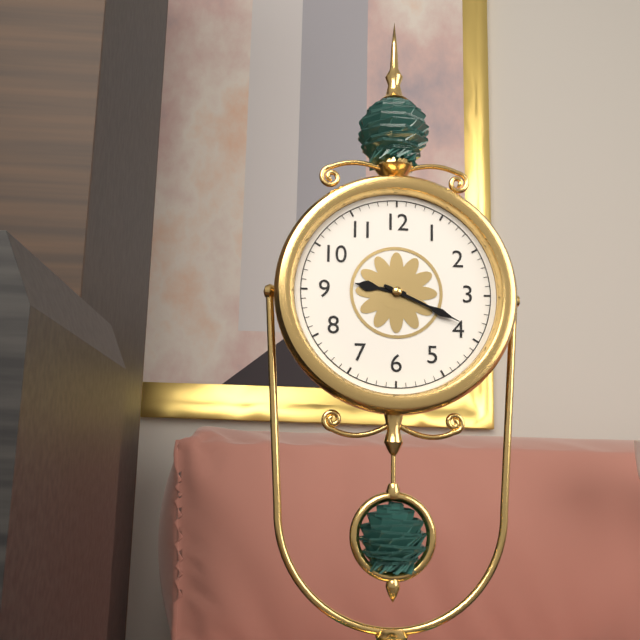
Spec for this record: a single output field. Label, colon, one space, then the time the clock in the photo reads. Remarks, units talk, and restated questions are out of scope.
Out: 9:19
